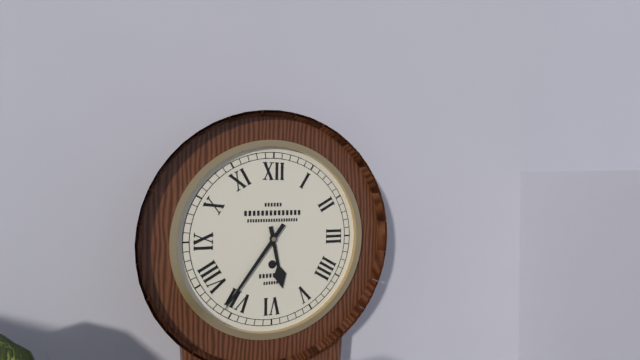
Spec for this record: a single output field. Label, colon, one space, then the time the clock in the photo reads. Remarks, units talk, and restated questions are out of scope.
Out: 5:36
